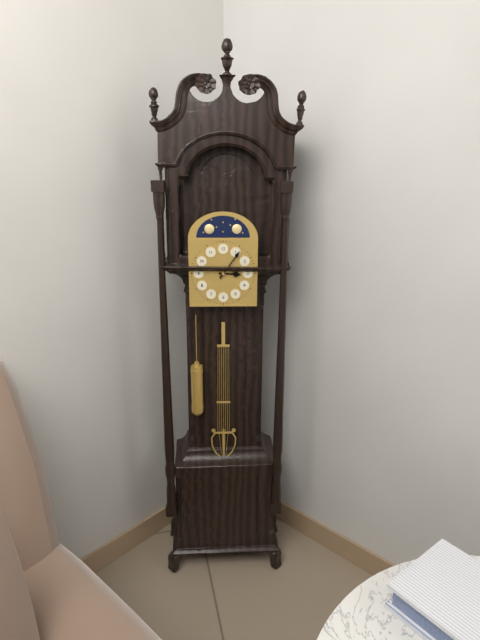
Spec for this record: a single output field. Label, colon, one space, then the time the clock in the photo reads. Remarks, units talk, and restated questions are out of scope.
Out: 3:06
